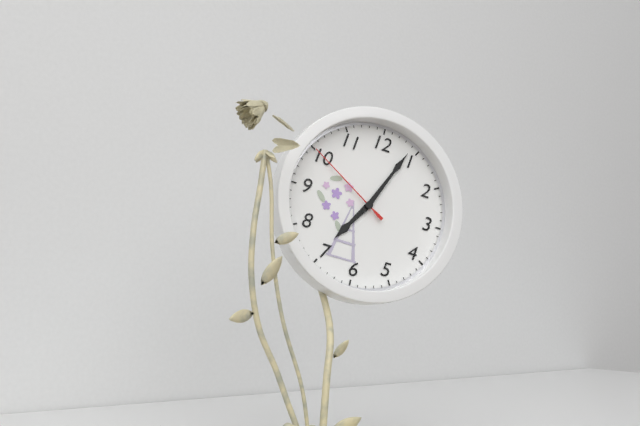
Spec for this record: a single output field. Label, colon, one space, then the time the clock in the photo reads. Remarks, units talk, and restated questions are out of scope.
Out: 7:04:50
